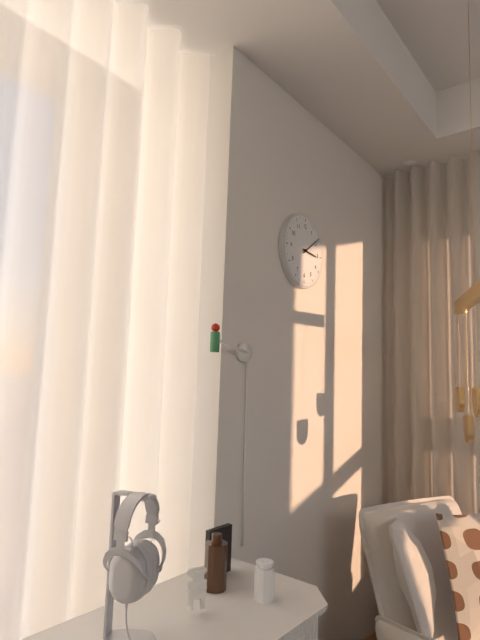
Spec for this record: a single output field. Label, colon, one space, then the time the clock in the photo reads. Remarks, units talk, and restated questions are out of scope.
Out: 3:09
